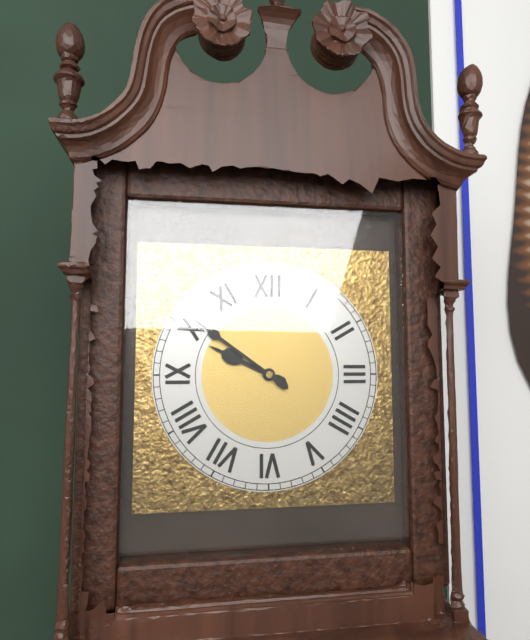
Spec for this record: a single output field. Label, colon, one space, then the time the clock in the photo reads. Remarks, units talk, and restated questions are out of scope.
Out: 9:51
